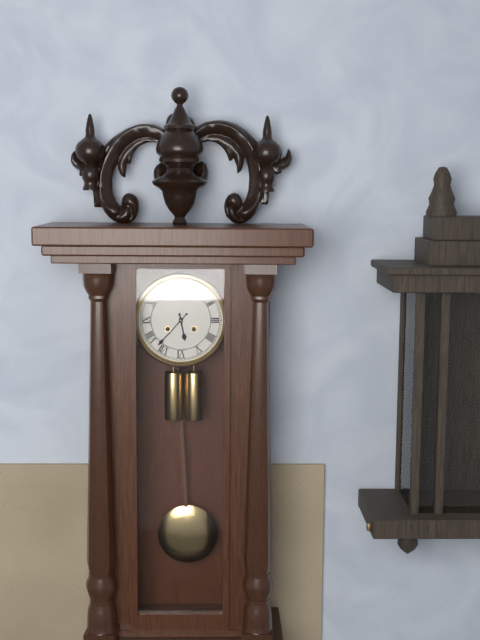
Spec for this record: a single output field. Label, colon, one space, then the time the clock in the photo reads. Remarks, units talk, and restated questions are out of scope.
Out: 5:37
